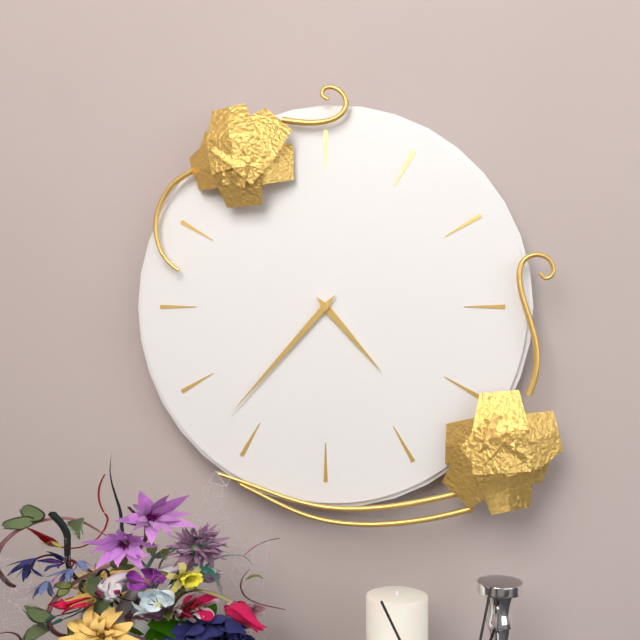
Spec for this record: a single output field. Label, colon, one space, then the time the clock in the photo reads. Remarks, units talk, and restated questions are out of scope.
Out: 4:37
